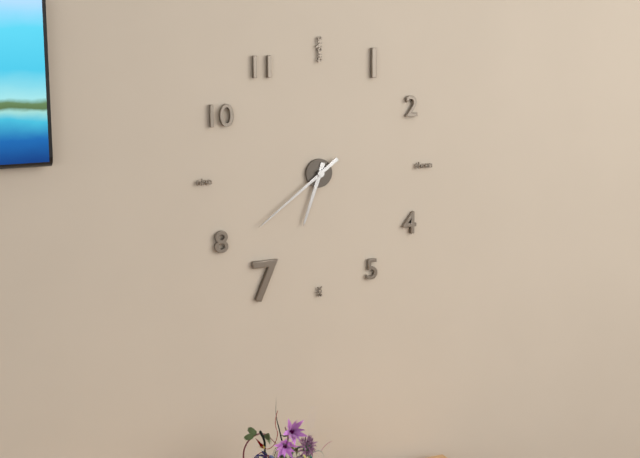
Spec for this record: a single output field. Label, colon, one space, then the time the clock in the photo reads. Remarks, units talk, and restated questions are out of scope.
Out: 6:39
